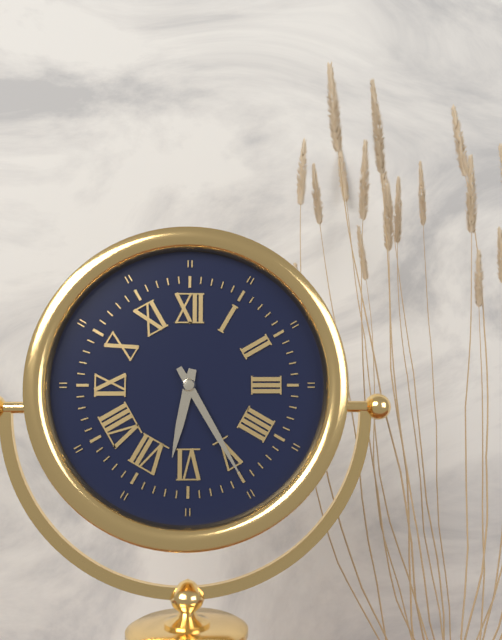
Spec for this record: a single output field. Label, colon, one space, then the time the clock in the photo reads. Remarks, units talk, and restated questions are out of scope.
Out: 6:25
